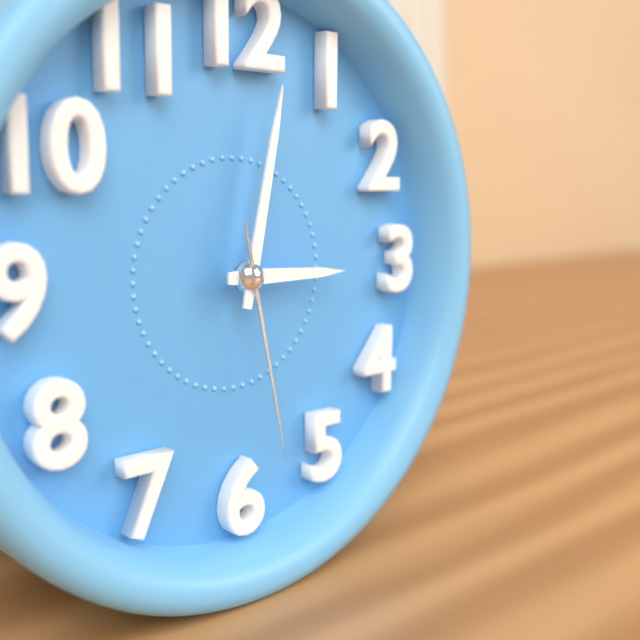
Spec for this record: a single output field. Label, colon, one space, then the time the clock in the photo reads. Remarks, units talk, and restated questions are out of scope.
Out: 3:02:28
